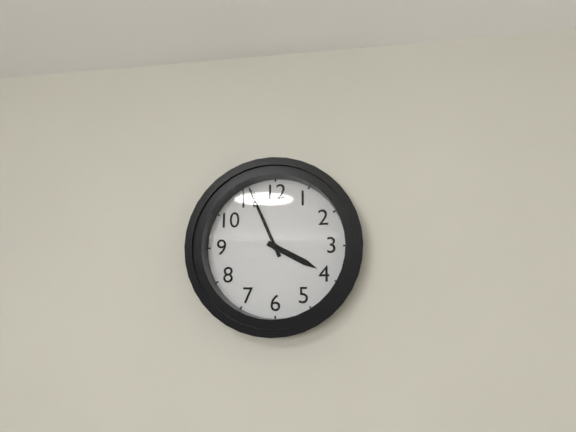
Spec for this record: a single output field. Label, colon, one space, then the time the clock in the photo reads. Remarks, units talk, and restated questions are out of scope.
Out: 3:56
